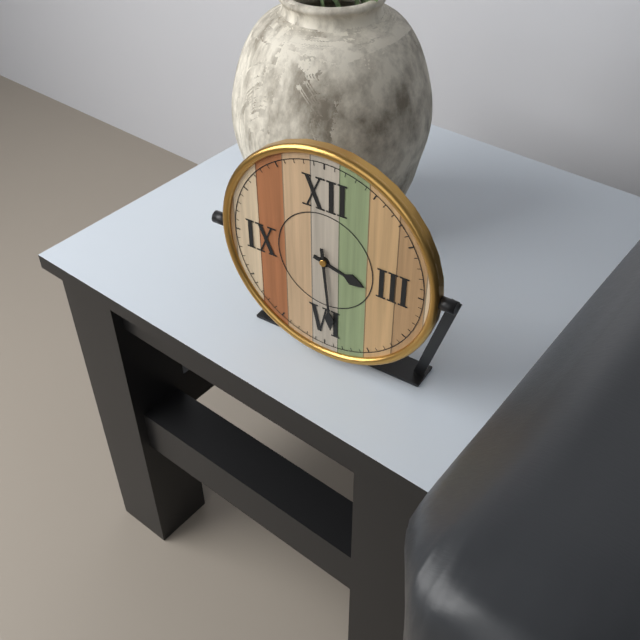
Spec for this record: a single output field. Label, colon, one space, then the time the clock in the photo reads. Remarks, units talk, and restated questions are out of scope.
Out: 3:29
